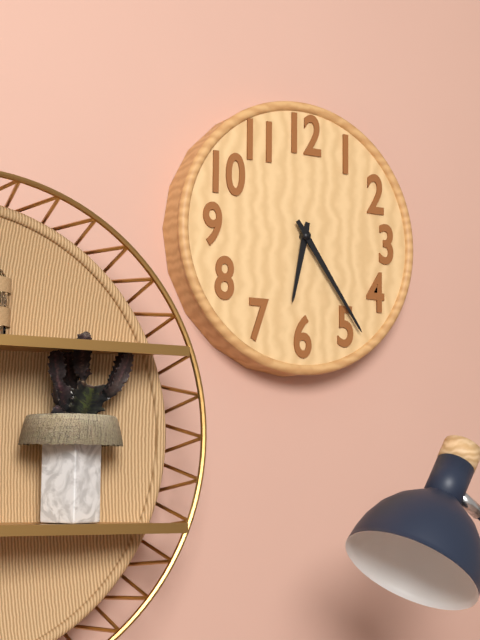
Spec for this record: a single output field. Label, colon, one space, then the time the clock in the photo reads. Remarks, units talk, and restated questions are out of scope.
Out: 6:24
